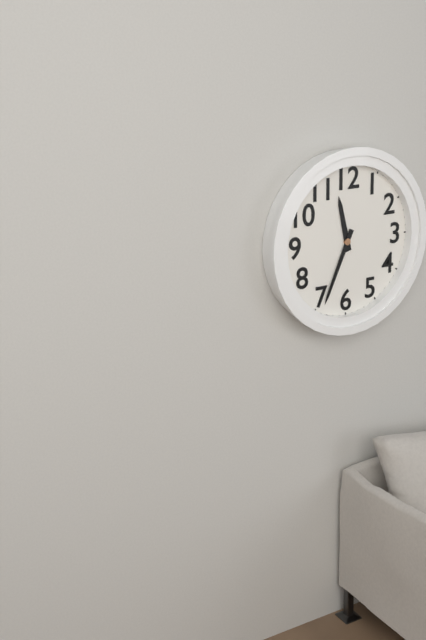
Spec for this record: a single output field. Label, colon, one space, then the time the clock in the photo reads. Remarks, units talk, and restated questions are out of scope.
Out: 11:34
